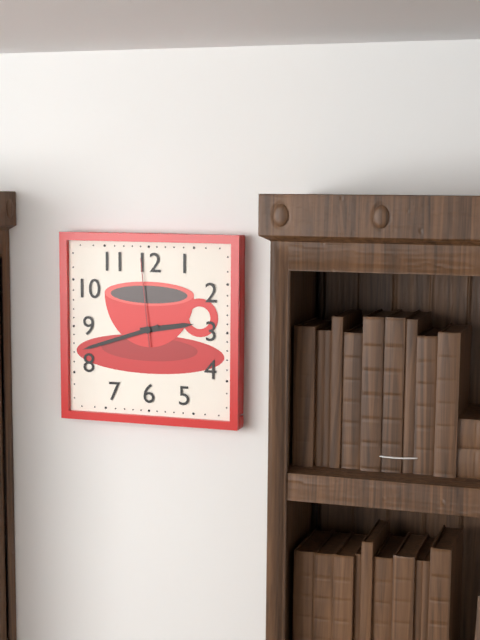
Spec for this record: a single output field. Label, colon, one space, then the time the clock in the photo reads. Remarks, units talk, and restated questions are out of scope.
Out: 2:42:59
